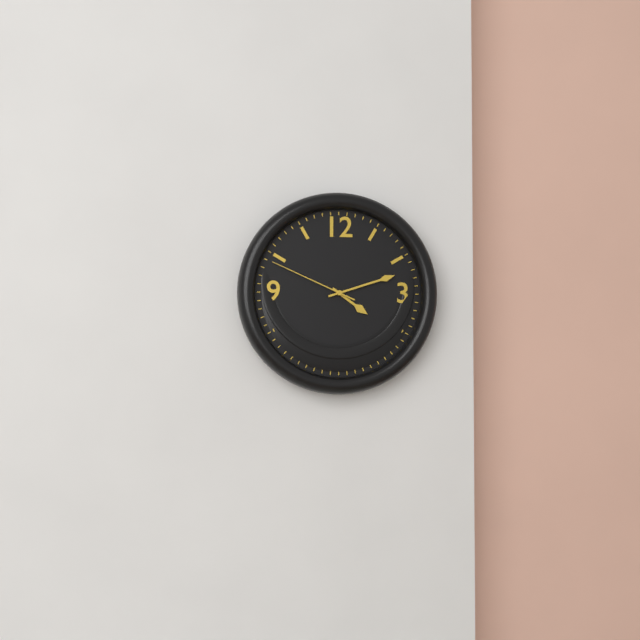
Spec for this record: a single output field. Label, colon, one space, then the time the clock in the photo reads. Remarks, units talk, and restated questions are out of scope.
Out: 4:12:49
